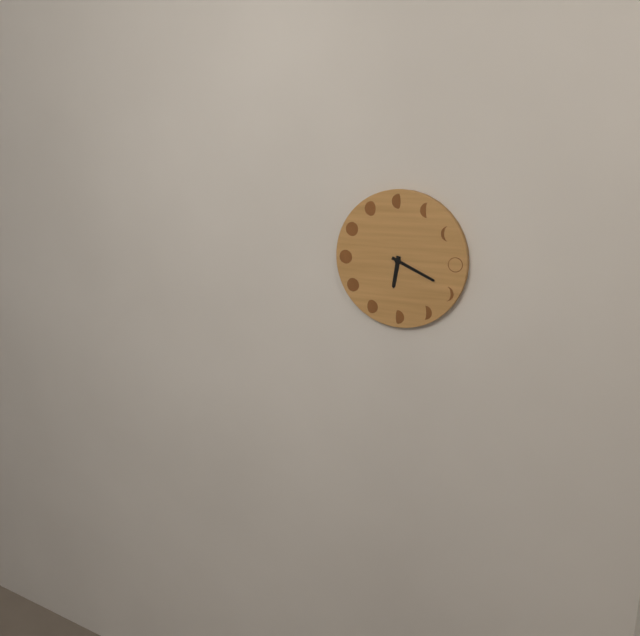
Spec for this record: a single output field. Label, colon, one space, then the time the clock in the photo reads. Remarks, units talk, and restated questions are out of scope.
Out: 6:19
